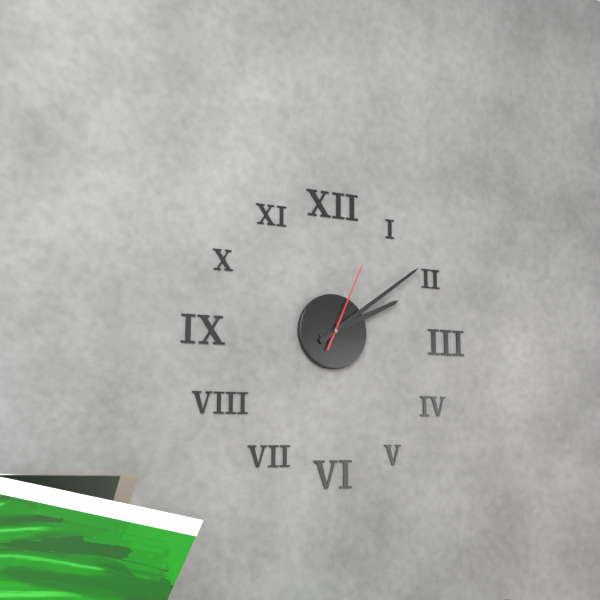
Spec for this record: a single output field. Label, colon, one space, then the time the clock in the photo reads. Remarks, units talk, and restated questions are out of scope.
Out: 2:09:04
